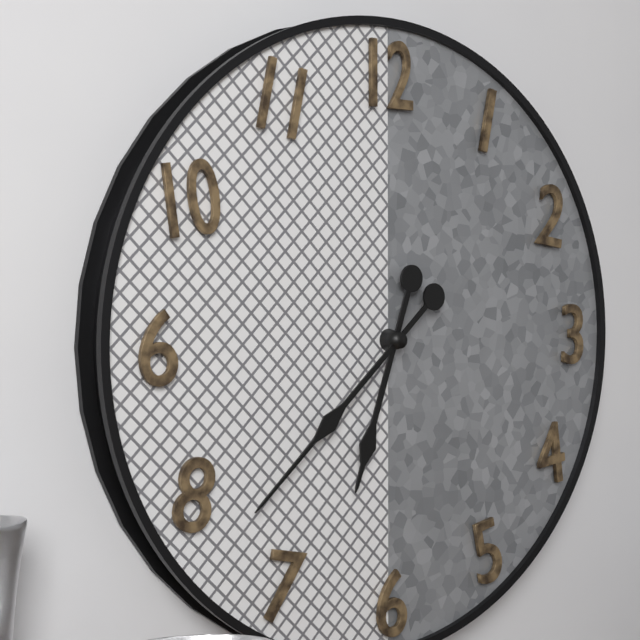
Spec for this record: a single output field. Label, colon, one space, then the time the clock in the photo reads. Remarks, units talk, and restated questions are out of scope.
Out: 6:38
